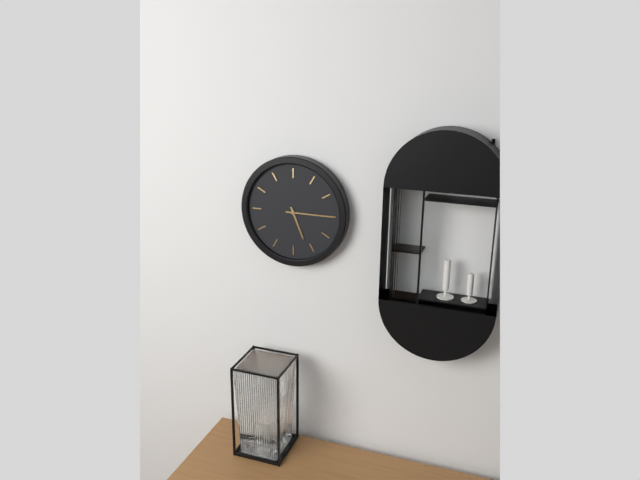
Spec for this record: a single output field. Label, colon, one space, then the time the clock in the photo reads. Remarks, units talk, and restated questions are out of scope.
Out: 5:15
